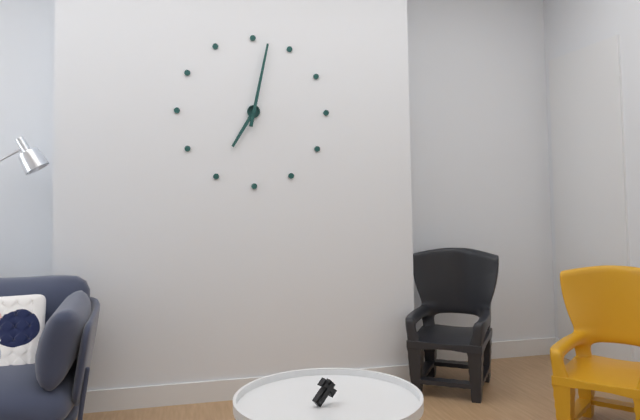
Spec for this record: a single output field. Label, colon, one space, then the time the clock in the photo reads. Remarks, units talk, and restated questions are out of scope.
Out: 7:02
